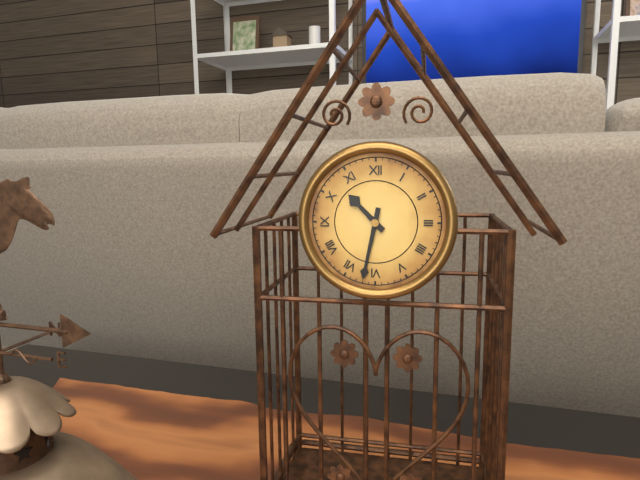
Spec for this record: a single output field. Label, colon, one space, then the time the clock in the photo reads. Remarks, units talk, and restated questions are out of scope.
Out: 10:32
